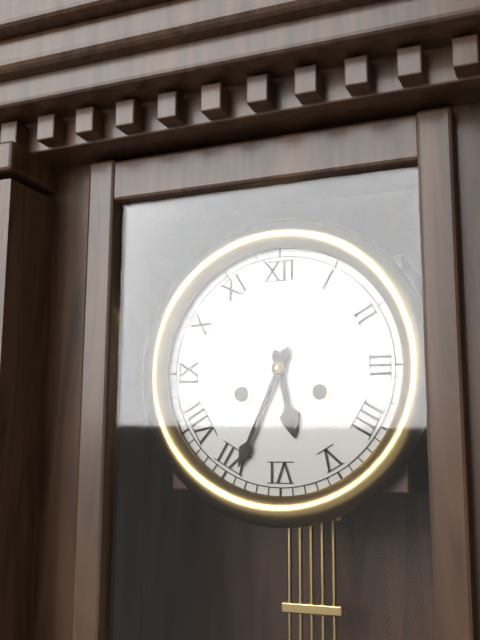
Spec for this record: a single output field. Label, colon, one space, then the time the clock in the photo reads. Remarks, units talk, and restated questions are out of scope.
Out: 5:34
